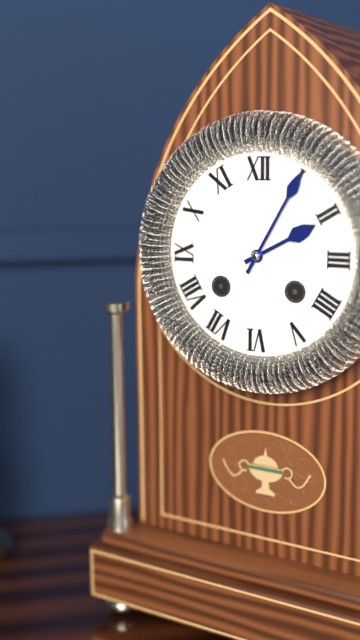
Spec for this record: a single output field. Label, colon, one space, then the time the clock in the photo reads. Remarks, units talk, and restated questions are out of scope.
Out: 2:05
